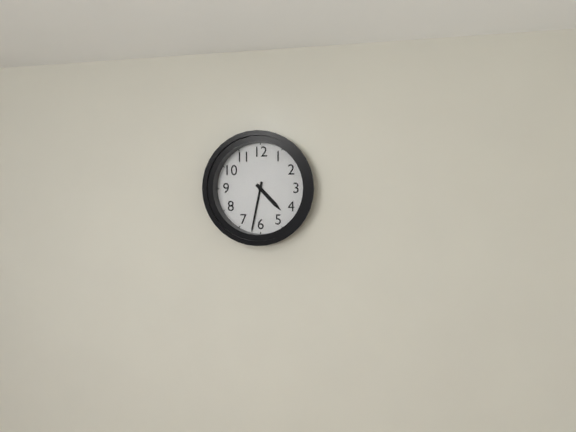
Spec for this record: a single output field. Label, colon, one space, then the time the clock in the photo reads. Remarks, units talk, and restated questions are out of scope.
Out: 4:32
